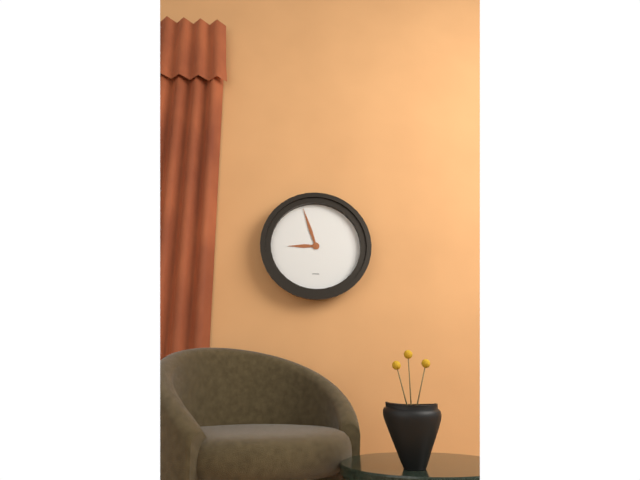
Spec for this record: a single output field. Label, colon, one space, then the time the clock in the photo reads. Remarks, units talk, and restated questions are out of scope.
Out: 8:57
